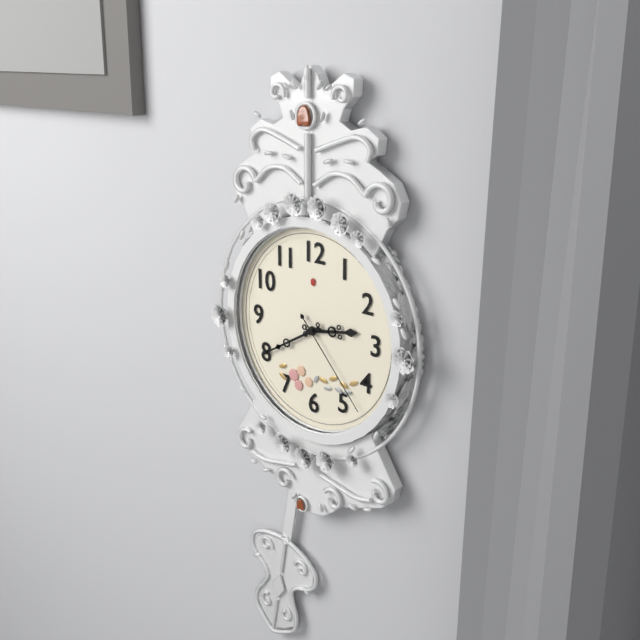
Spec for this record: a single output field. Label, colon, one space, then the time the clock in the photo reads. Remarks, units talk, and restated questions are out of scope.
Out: 2:40:23
